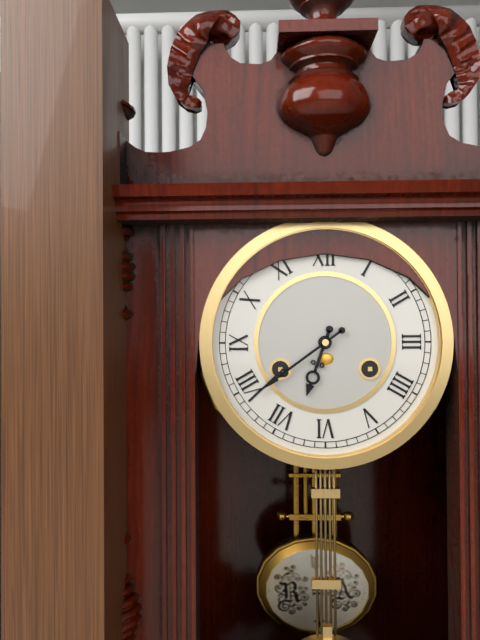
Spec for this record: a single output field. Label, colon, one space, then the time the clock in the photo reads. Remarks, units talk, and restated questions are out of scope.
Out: 6:39
